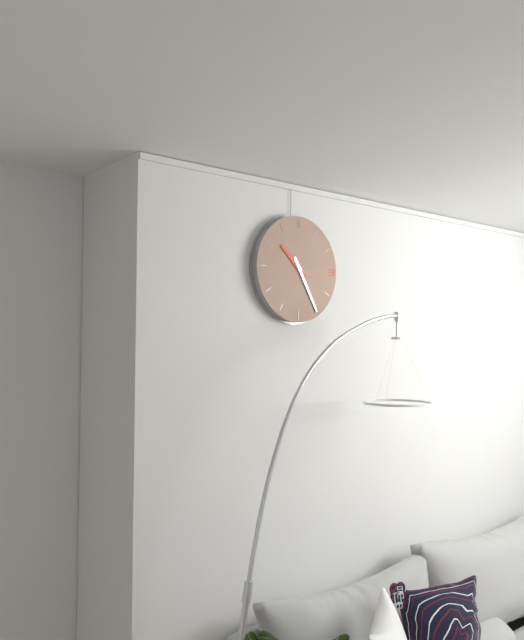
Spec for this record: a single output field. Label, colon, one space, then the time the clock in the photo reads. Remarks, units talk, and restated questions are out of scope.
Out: 10:25
